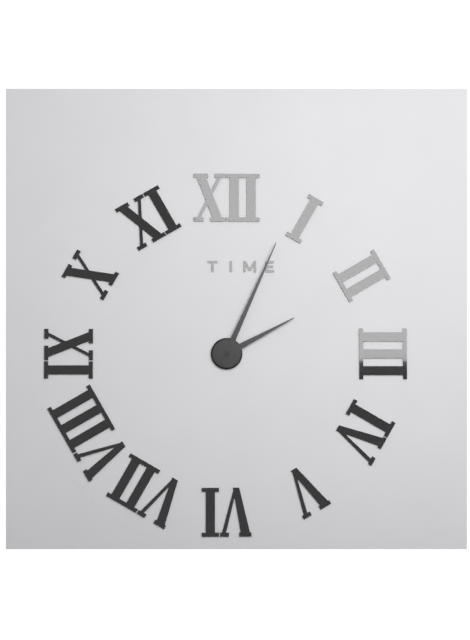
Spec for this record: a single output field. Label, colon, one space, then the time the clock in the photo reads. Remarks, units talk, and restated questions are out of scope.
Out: 2:04
